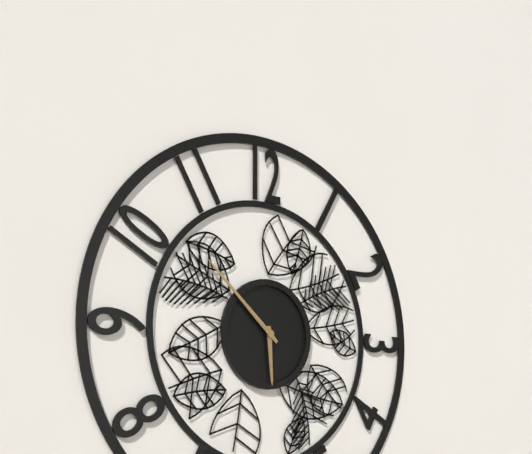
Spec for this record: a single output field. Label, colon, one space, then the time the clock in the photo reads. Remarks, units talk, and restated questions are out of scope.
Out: 5:52
